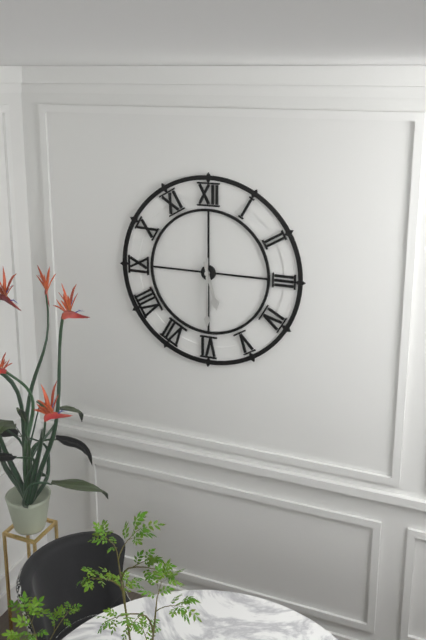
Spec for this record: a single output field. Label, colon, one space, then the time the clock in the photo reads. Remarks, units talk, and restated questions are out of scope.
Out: 5:30
